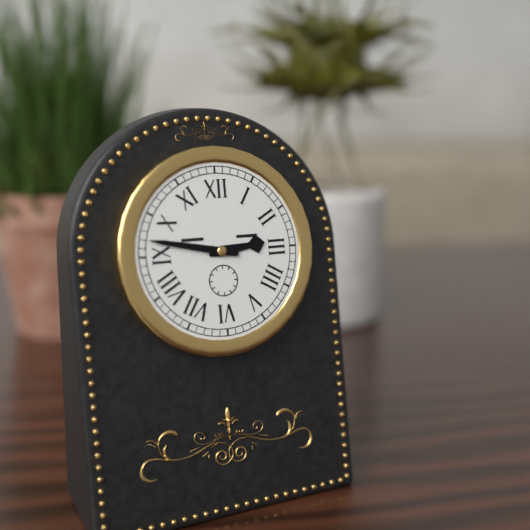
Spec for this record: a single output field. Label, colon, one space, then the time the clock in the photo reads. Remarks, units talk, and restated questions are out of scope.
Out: 2:47
